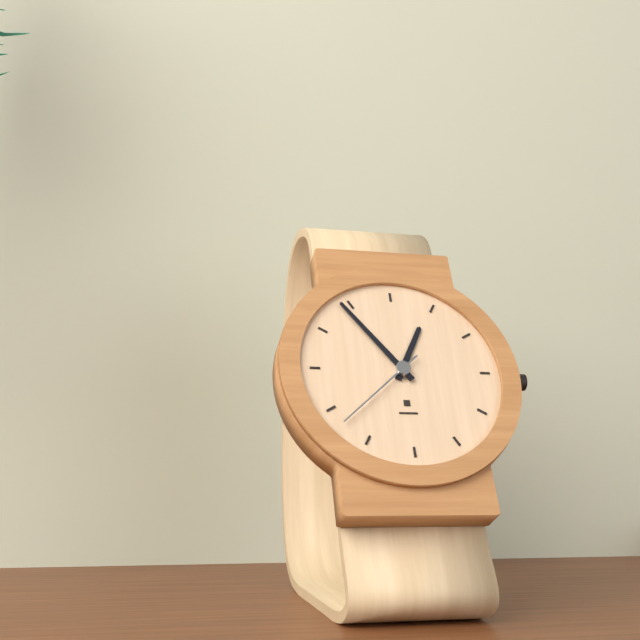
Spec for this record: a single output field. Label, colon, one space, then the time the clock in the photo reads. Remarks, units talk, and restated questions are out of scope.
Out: 12:54:38
